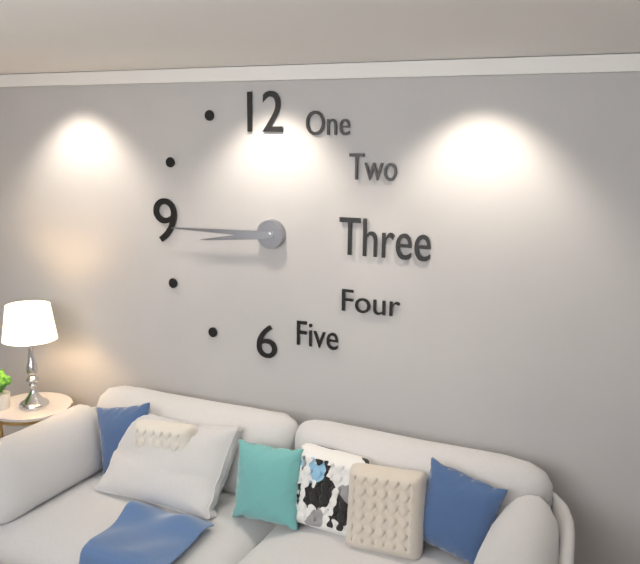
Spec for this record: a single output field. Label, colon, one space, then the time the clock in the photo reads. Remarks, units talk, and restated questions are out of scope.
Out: 8:45
